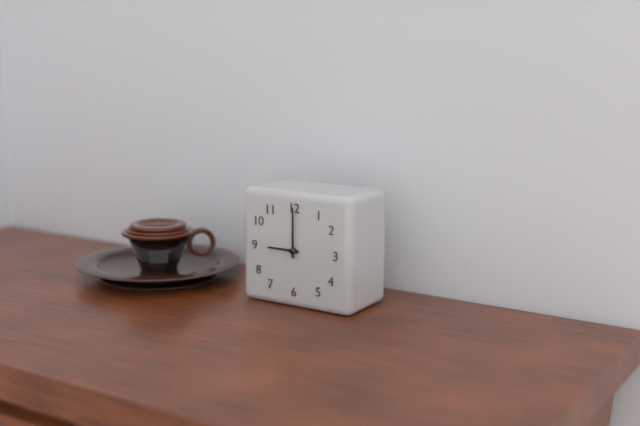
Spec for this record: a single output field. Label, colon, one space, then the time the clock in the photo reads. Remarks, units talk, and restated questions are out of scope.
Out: 9:00
